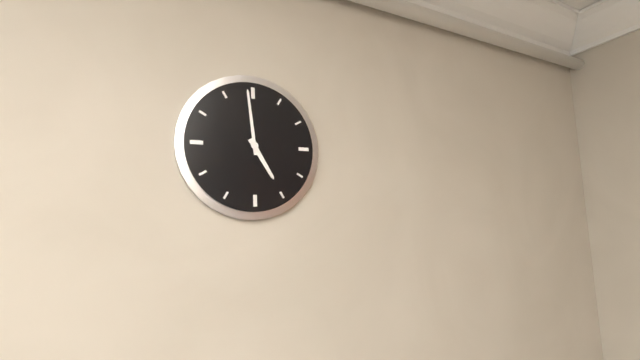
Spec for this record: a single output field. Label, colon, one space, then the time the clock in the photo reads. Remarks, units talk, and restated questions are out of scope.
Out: 4:59
